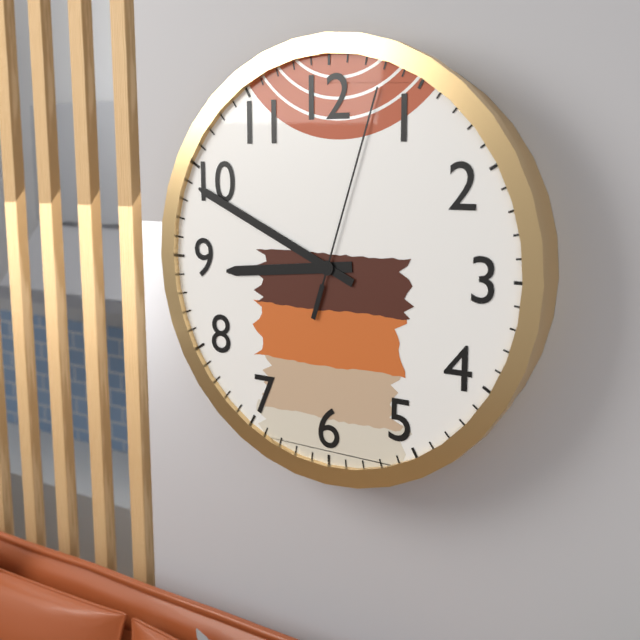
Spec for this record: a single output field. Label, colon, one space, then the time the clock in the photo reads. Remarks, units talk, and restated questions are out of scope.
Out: 8:49:03
